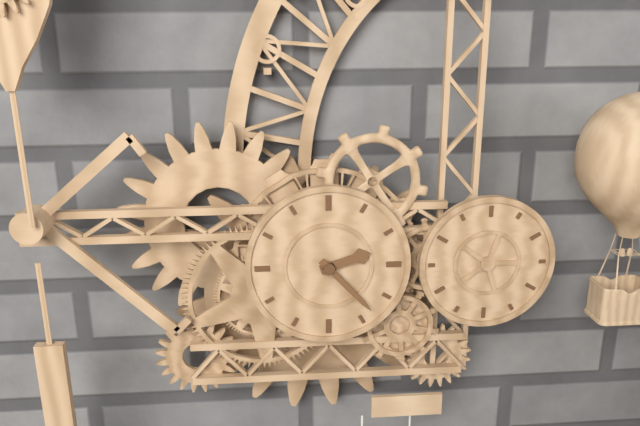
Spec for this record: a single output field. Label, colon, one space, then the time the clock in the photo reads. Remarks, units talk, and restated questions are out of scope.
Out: 2:23
